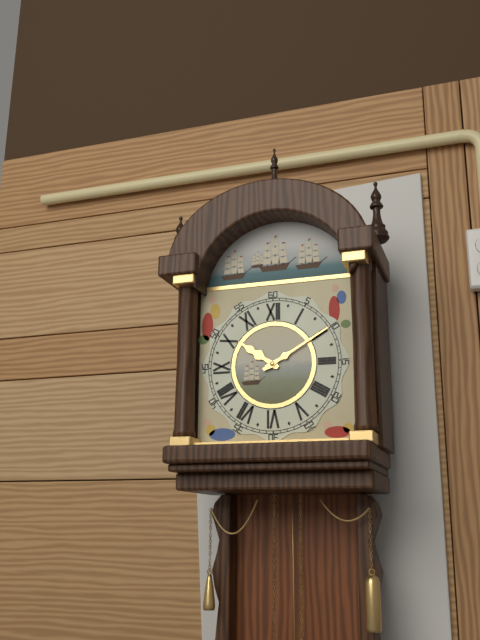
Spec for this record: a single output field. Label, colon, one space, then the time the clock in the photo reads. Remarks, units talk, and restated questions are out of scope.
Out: 10:10
